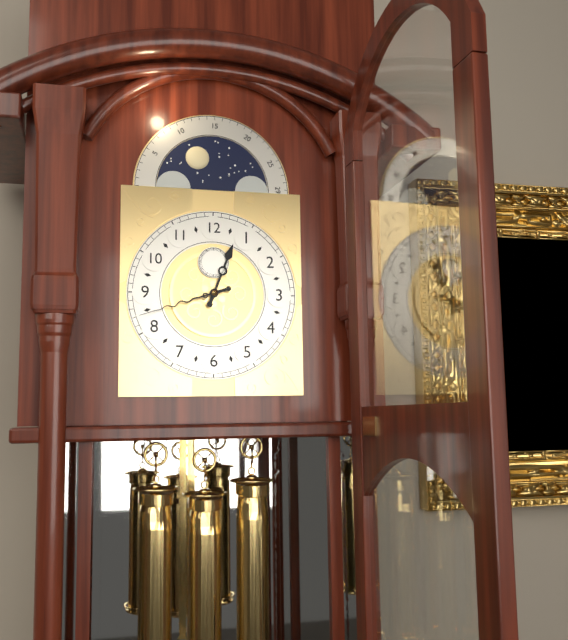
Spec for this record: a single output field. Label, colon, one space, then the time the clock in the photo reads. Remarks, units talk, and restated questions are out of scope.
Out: 12:42
